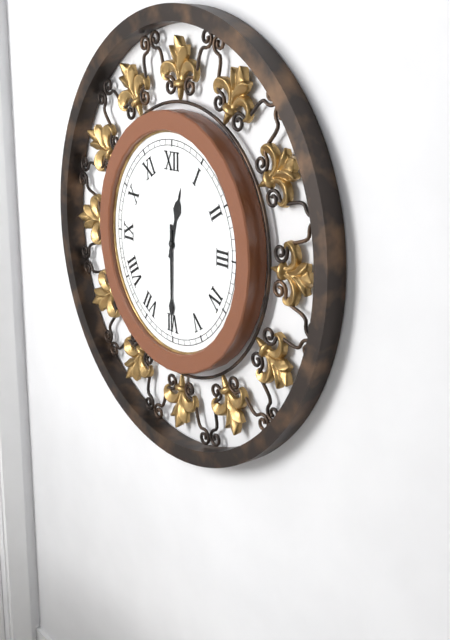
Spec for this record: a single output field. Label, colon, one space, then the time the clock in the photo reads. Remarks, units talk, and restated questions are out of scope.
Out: 12:30
